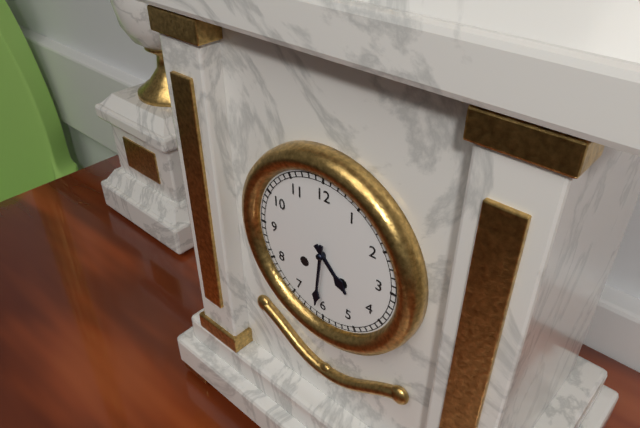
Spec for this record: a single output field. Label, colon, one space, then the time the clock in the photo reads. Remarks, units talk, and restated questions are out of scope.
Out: 4:31
